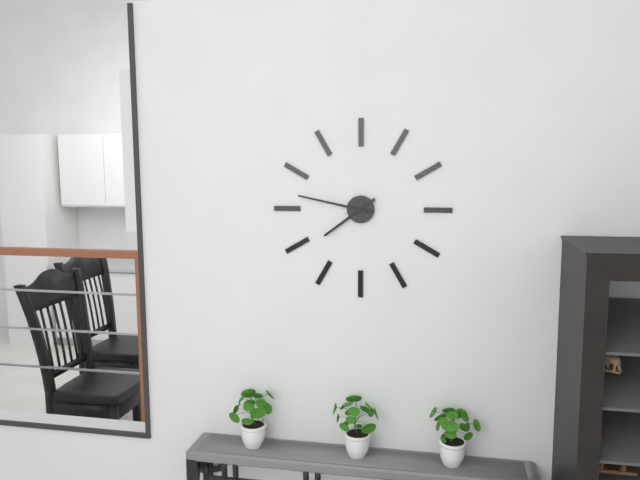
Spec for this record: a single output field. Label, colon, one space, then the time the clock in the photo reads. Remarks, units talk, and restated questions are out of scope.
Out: 7:47
